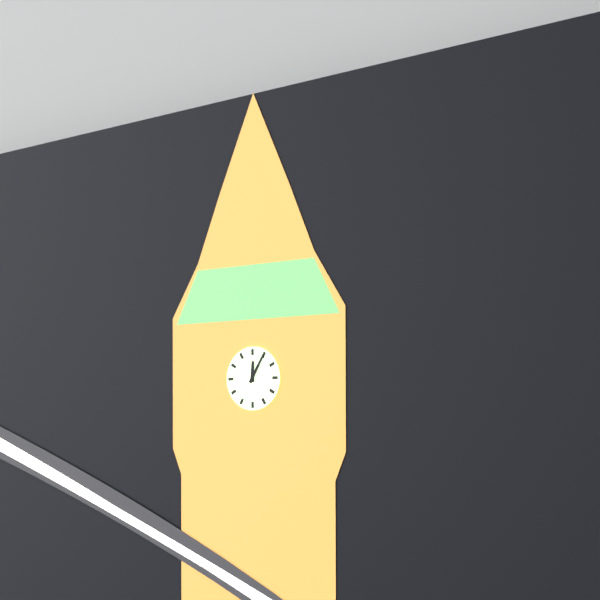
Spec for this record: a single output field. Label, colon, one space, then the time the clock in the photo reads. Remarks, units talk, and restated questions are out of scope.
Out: 12:05
